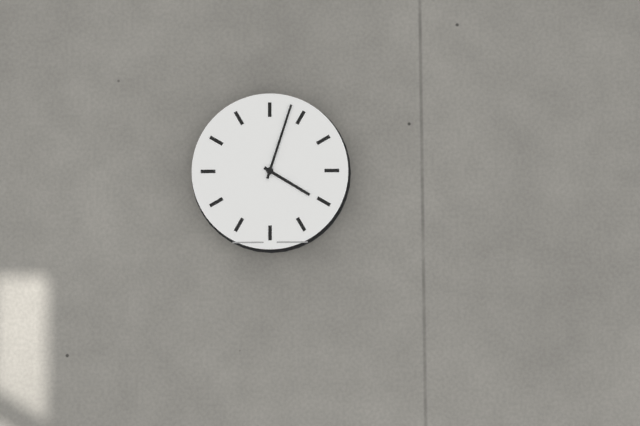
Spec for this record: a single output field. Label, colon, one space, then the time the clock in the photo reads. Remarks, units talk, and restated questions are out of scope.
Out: 4:03
